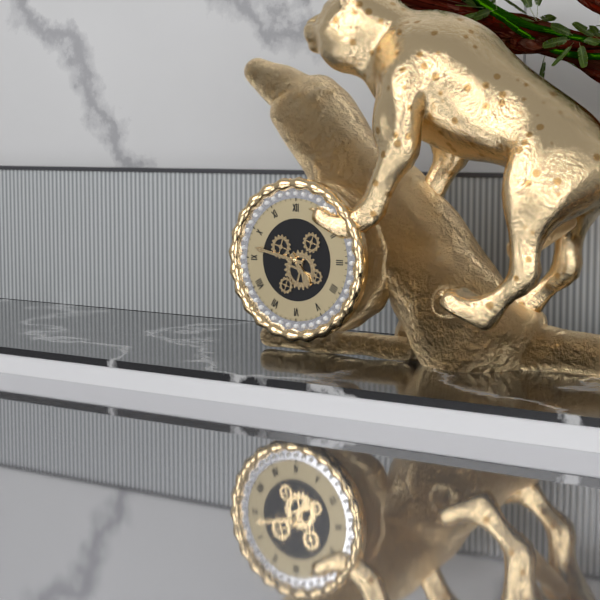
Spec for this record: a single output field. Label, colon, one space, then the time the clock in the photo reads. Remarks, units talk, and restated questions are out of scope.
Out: 4:47
